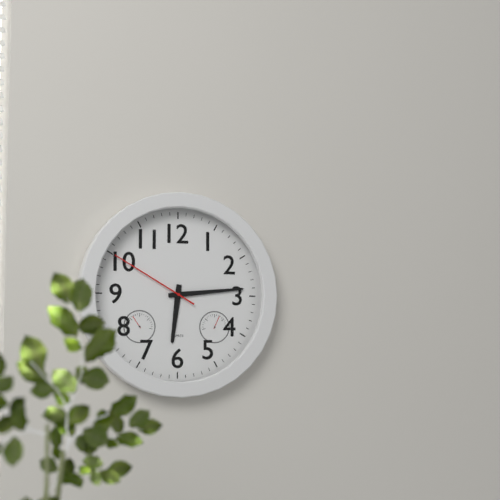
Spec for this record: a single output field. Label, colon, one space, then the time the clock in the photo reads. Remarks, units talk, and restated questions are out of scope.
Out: 6:14:50
